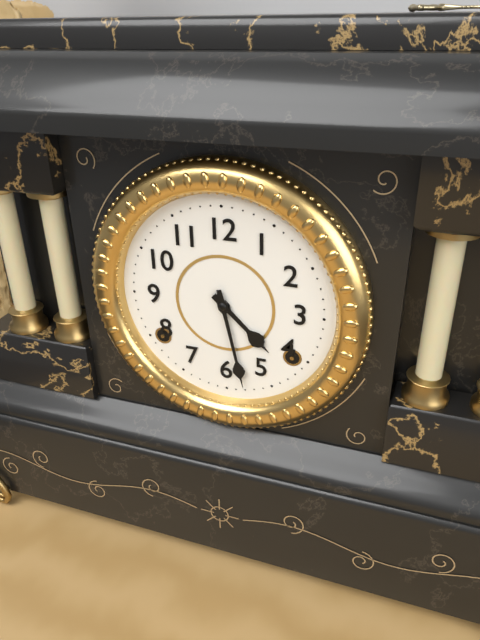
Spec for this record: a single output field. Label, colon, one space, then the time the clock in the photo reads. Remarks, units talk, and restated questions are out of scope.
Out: 4:28
